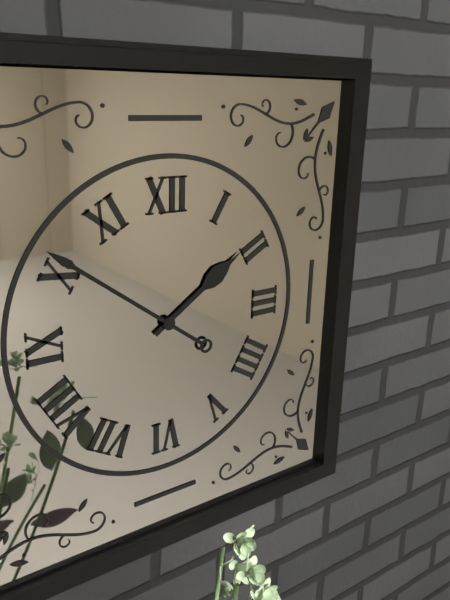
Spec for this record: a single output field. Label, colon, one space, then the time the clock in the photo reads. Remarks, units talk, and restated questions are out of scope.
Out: 1:51
